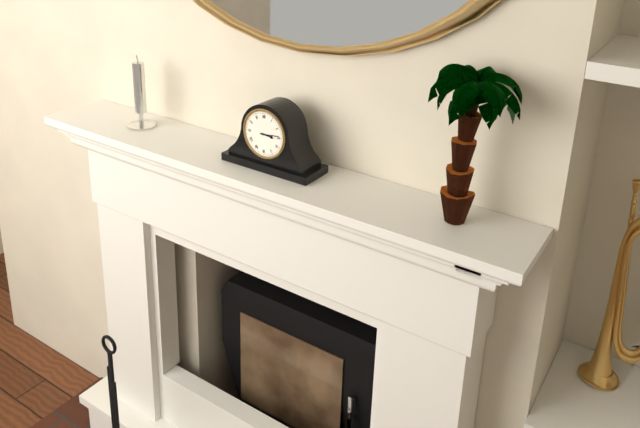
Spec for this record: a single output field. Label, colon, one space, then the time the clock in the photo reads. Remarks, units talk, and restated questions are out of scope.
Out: 3:14
